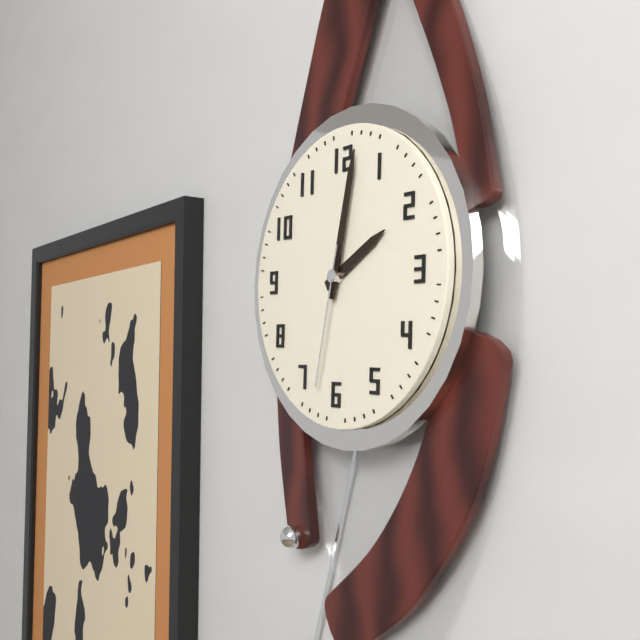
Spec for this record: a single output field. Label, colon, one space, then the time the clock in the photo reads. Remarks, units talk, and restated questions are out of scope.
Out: 2:02:32
